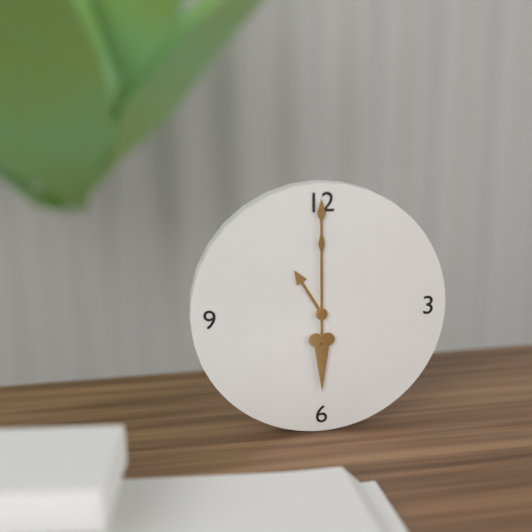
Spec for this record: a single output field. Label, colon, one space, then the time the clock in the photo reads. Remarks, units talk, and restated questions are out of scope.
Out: 11:00
